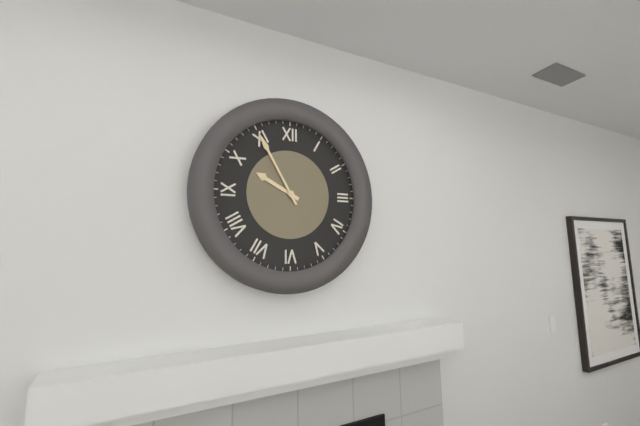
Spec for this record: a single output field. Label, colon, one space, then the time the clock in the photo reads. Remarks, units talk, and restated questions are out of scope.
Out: 9:55
